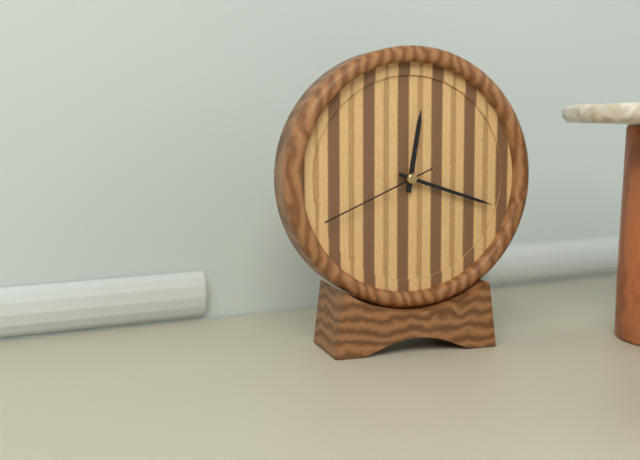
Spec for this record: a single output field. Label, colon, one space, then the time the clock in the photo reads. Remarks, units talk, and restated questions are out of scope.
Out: 12:18:41
